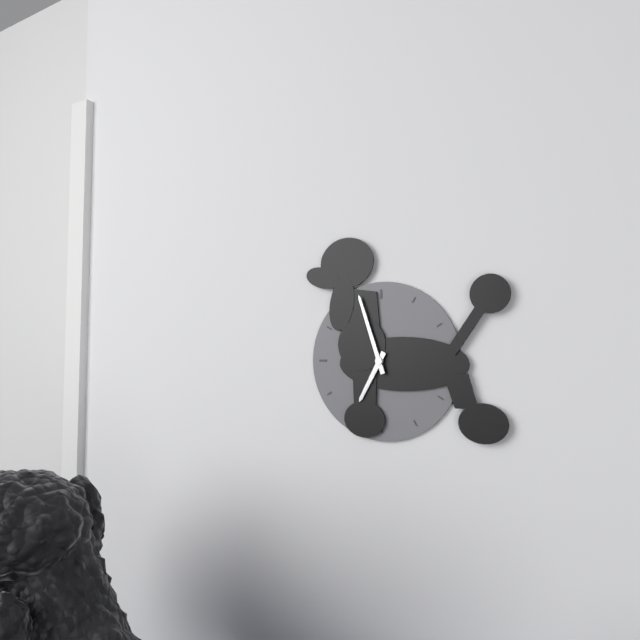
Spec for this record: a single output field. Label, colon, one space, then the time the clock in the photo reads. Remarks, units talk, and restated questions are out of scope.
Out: 6:57
